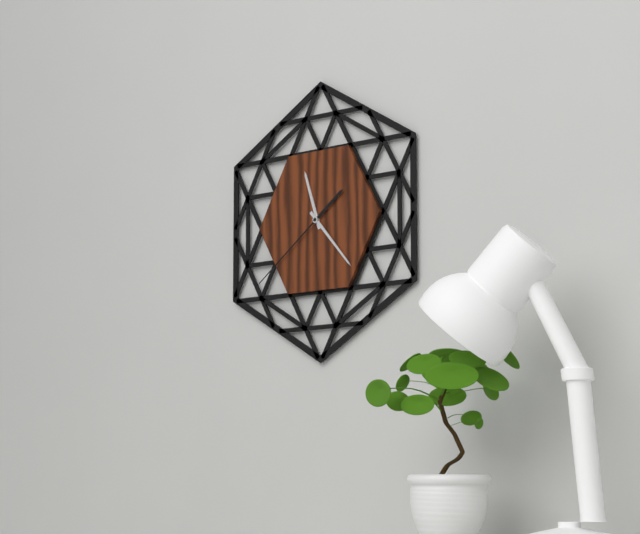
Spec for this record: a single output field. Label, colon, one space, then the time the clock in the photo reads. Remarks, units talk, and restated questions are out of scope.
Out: 11:23:39
